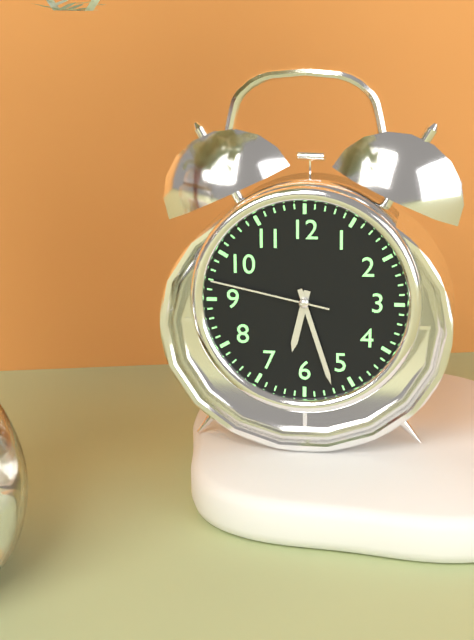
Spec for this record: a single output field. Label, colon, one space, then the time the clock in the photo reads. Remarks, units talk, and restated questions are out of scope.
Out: 6:27:47
